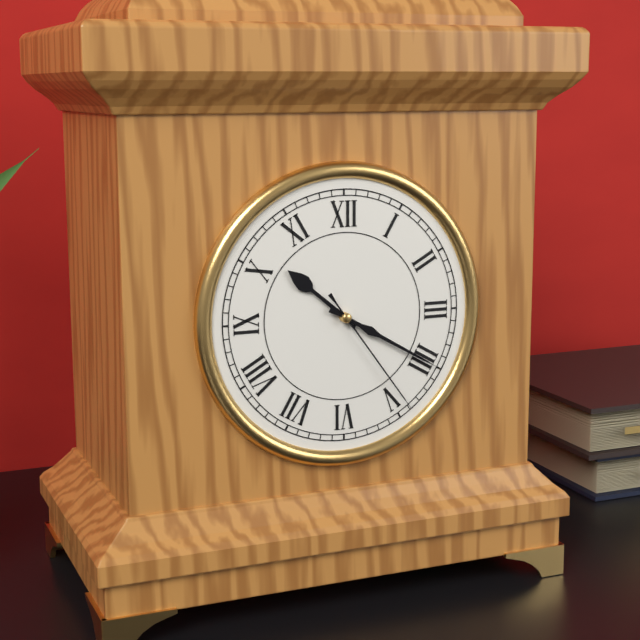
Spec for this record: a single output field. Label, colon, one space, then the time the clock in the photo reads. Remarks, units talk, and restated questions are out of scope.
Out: 10:20:24
